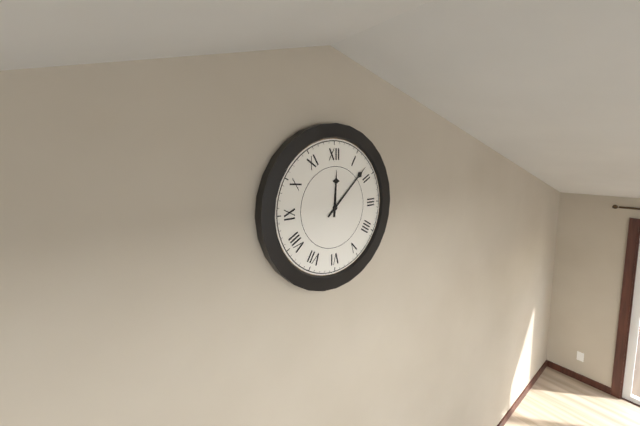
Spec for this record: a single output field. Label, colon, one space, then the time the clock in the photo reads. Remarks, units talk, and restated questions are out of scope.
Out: 12:08
